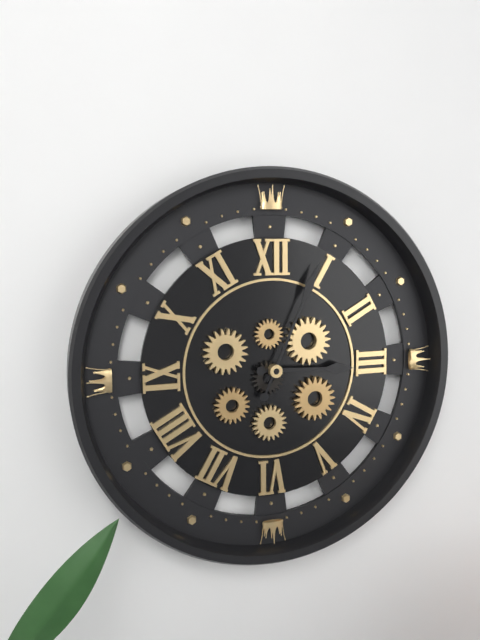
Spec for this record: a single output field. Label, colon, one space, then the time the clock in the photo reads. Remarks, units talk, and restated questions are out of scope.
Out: 3:04
